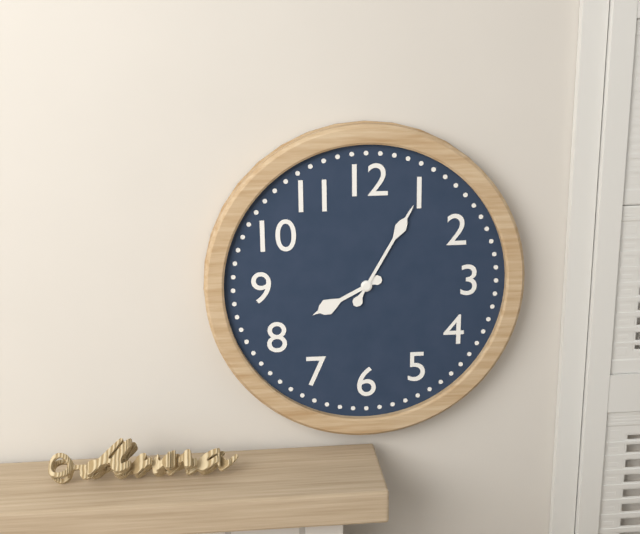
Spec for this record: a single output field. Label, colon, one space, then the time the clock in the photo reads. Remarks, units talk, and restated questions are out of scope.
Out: 8:05
